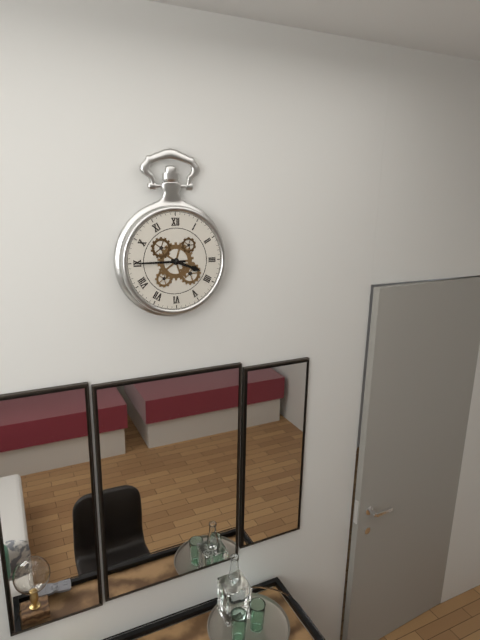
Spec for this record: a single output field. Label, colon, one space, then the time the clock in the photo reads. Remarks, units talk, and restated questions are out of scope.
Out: 3:45
